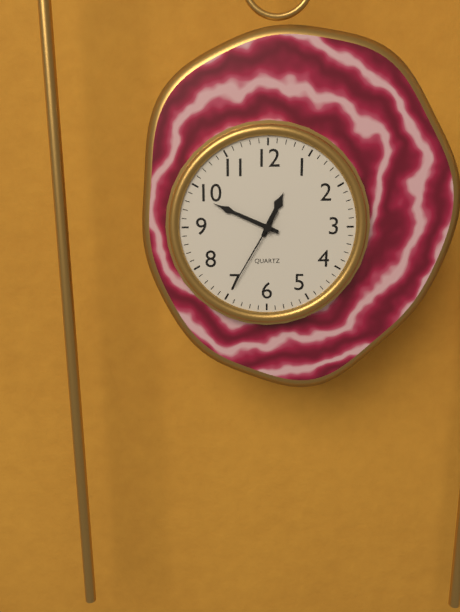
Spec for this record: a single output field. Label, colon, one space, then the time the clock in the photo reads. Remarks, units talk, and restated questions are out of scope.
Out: 12:49:35
